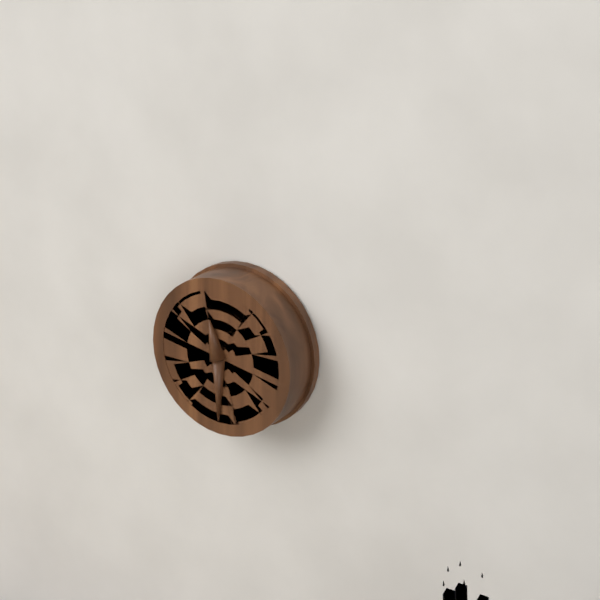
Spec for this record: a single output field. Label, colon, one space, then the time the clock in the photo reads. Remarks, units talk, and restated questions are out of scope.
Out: 11:30
